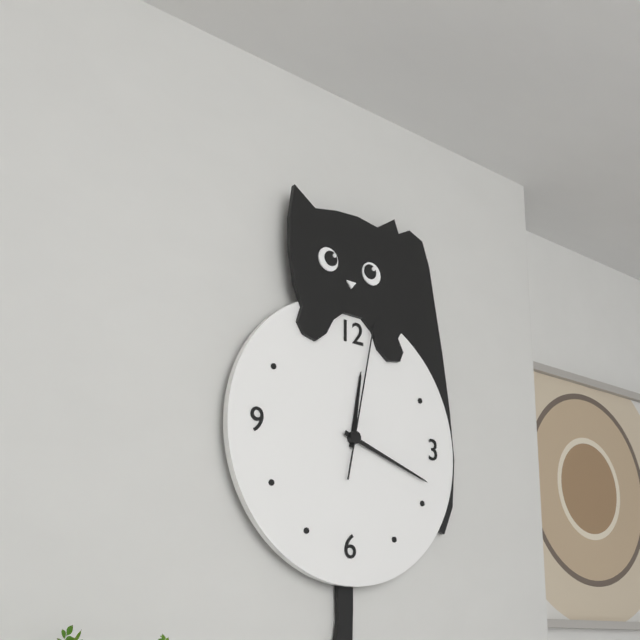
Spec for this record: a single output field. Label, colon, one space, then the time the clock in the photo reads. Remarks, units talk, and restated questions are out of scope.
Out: 12:18:02
